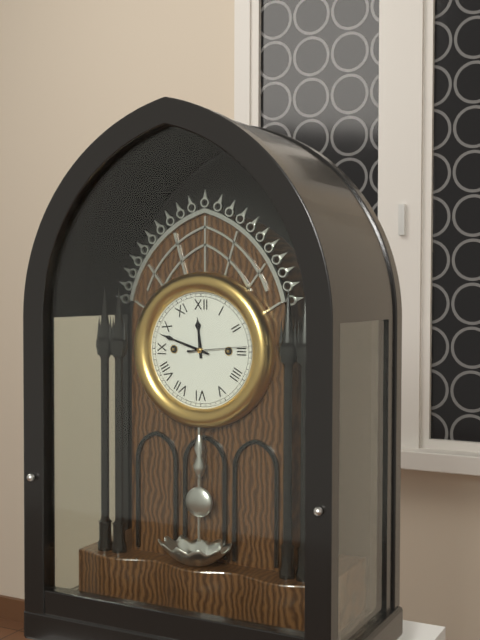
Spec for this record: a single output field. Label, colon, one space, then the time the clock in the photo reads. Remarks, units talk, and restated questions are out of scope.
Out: 11:48:14
